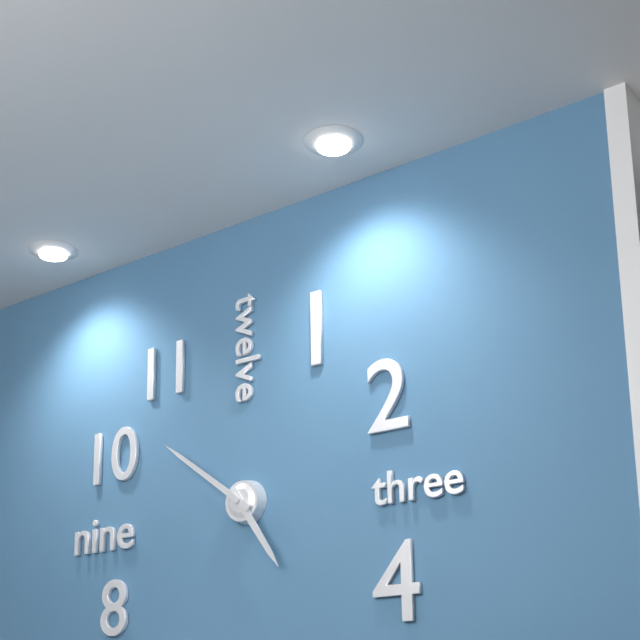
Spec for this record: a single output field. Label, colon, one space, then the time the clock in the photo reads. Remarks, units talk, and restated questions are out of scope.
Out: 4:51
